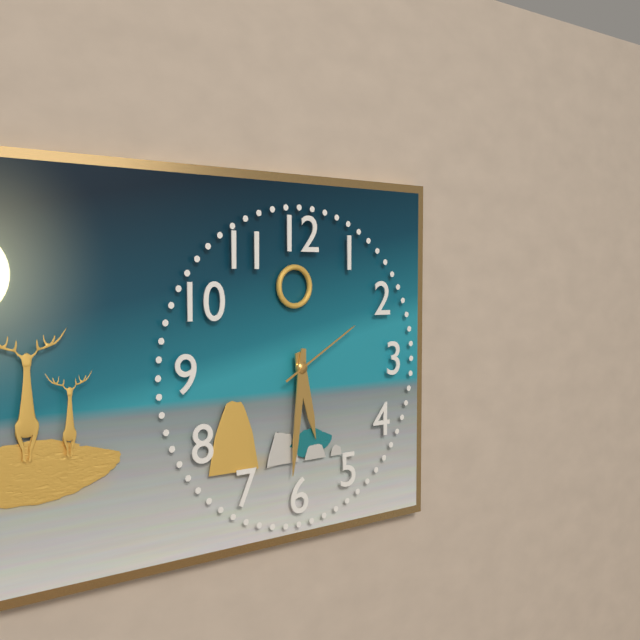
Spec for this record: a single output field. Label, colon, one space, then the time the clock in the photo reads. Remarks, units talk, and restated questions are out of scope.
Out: 5:31:10
